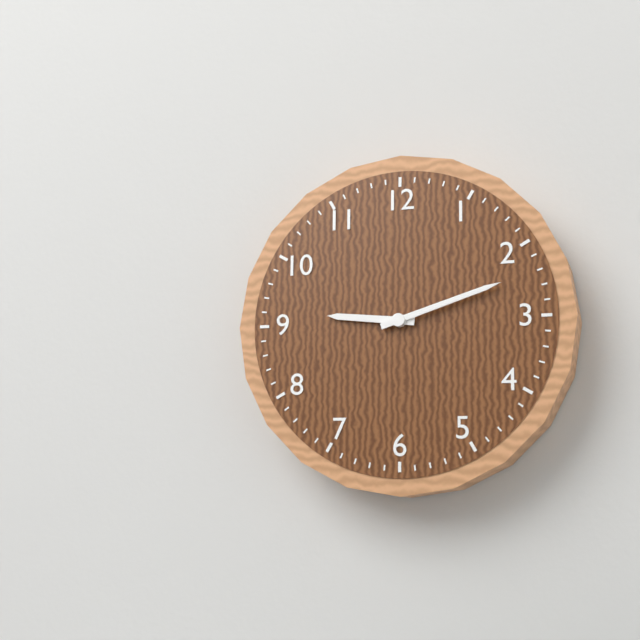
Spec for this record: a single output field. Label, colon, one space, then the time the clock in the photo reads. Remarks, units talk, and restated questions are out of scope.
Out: 9:12
